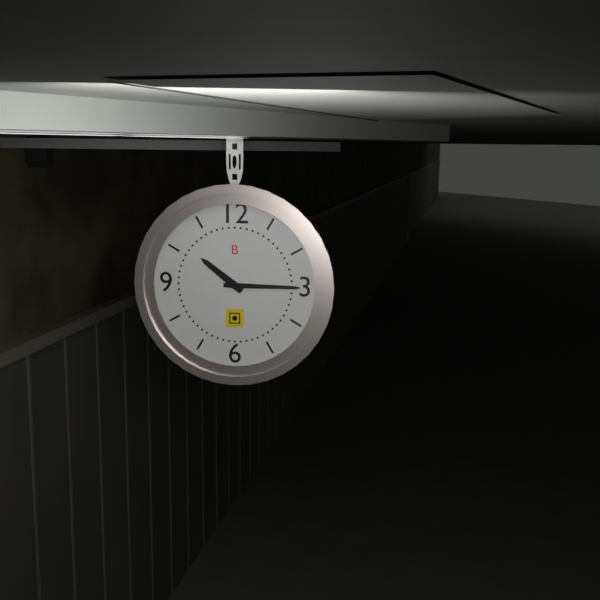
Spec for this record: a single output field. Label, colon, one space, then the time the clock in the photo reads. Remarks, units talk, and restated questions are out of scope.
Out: 10:15
